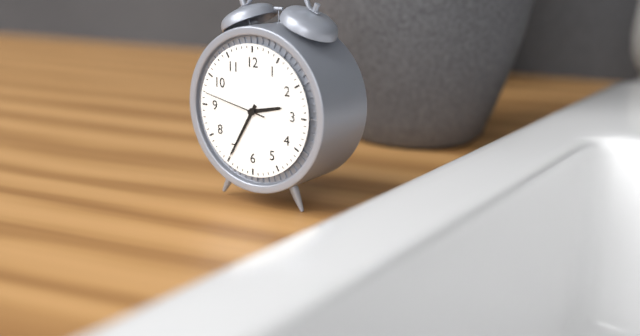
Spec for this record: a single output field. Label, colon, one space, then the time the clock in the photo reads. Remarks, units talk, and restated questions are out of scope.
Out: 2:35:47
